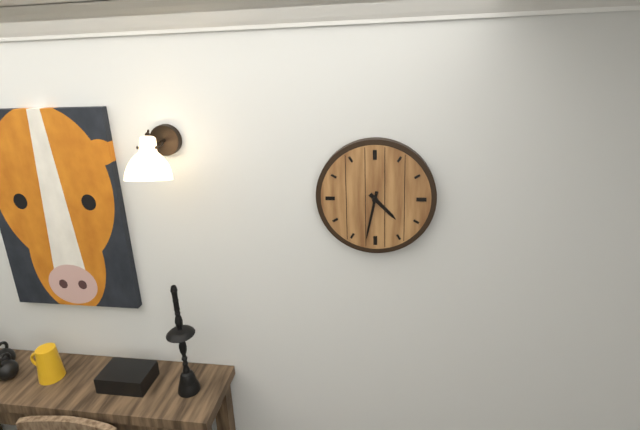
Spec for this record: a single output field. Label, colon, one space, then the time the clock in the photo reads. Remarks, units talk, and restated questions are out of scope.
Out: 4:32
